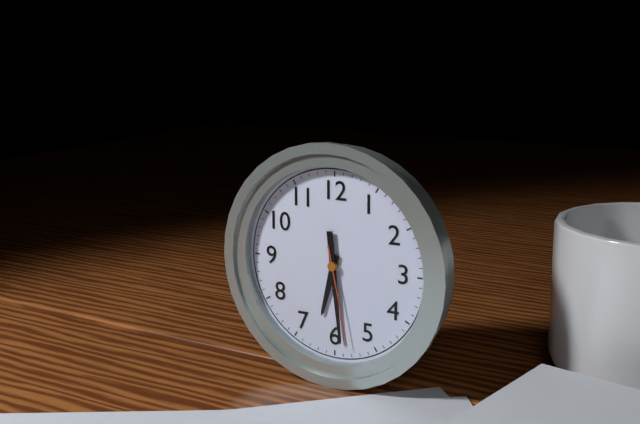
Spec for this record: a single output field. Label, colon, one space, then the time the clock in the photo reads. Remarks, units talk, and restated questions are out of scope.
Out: 6:29:28
